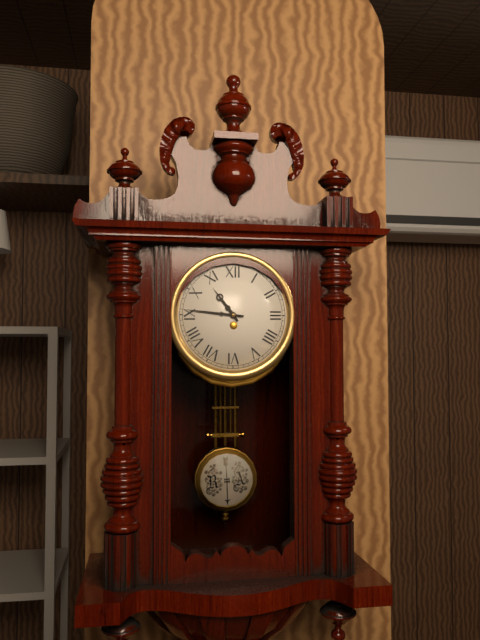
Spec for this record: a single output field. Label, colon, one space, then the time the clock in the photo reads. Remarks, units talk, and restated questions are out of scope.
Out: 10:46
